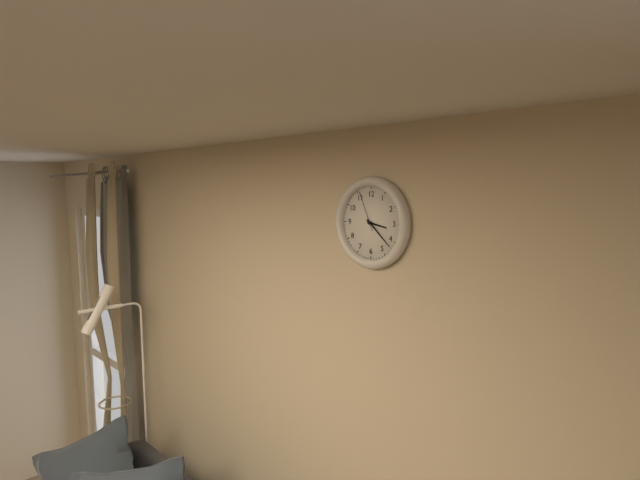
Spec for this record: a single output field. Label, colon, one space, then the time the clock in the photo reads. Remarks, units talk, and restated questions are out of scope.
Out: 3:22
